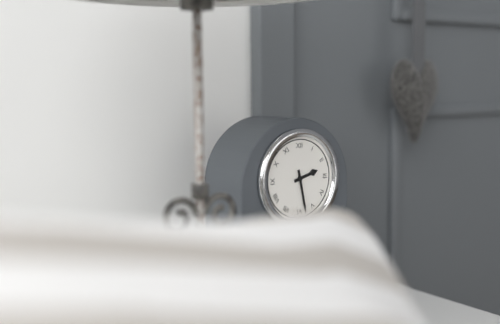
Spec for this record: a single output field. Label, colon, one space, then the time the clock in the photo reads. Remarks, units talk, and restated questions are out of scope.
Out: 2:28
